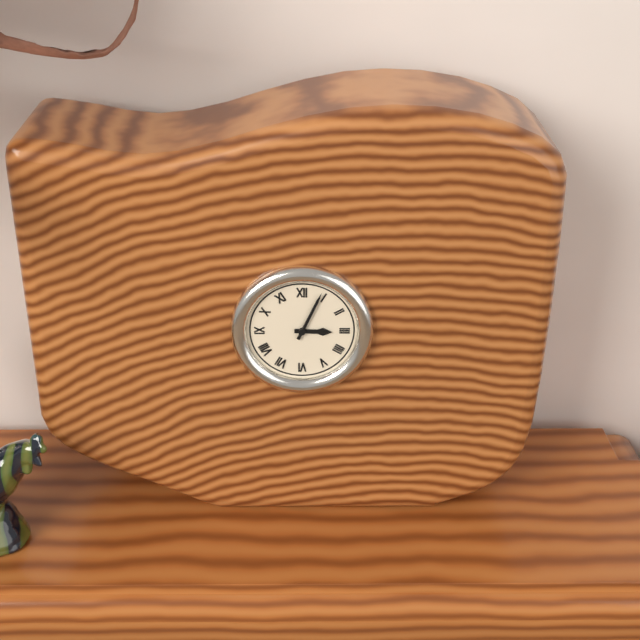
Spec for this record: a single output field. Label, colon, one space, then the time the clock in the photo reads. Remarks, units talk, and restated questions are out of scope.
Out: 3:04
